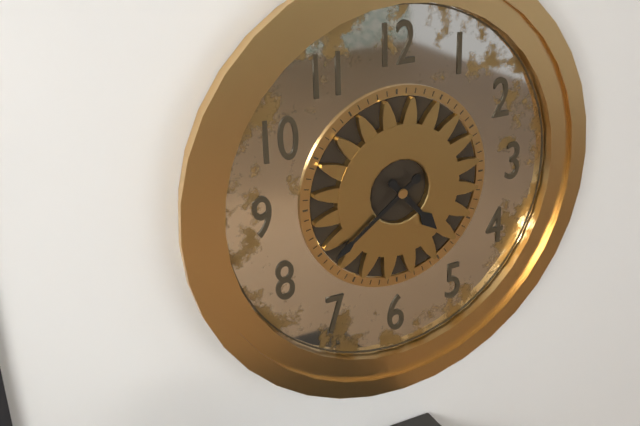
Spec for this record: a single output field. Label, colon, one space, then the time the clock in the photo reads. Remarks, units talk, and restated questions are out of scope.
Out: 4:39
